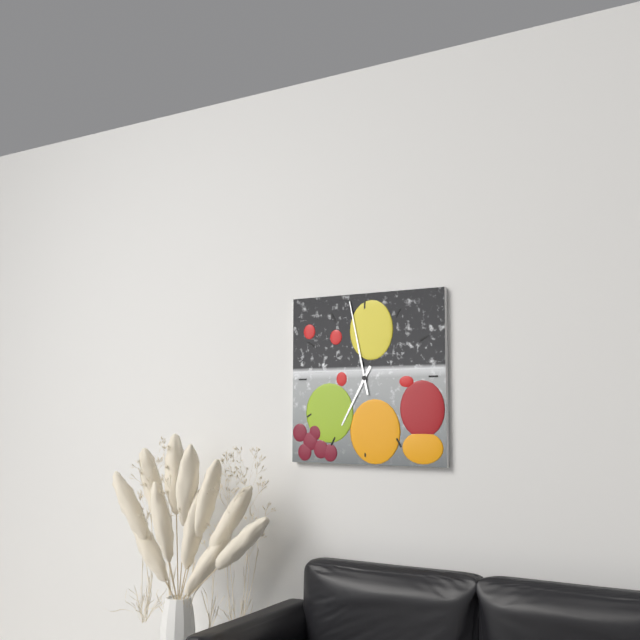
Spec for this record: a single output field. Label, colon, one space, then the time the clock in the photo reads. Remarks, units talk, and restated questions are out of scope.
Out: 6:58
